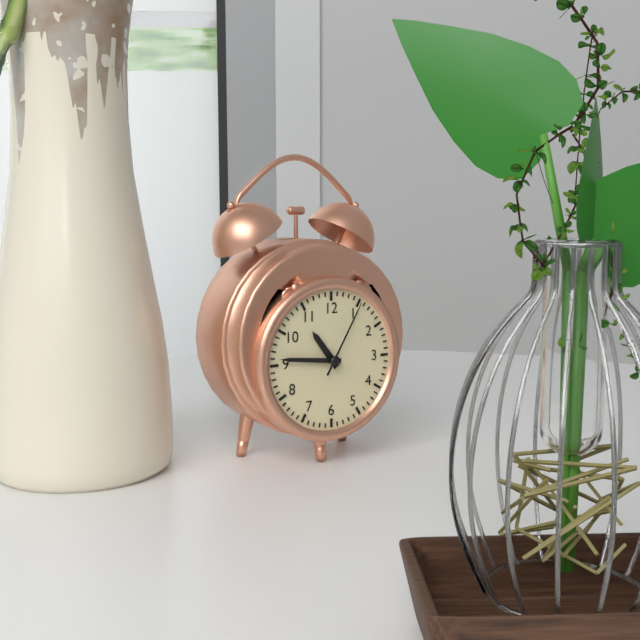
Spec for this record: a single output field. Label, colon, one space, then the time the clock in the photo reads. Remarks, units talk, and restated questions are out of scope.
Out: 10:46:05
